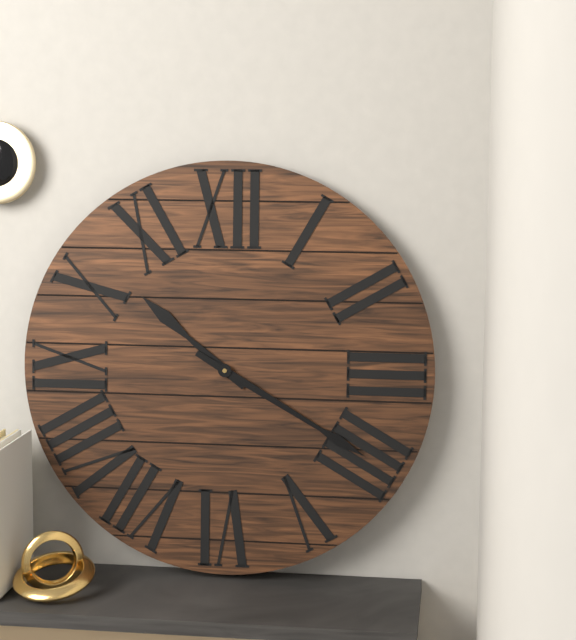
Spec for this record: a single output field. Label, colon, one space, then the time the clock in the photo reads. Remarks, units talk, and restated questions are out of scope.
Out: 10:20
